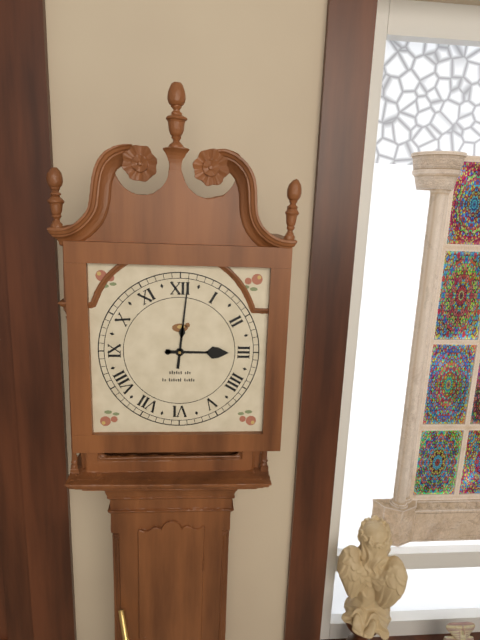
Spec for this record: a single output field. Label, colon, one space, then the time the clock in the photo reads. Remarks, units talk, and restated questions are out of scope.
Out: 3:01
